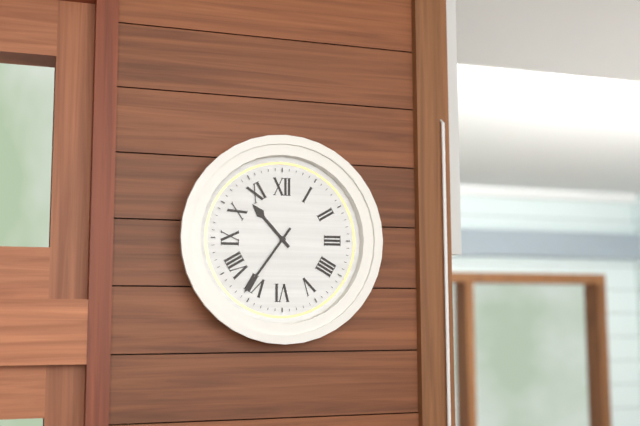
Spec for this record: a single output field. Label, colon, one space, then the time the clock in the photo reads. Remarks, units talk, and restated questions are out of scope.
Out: 10:36
